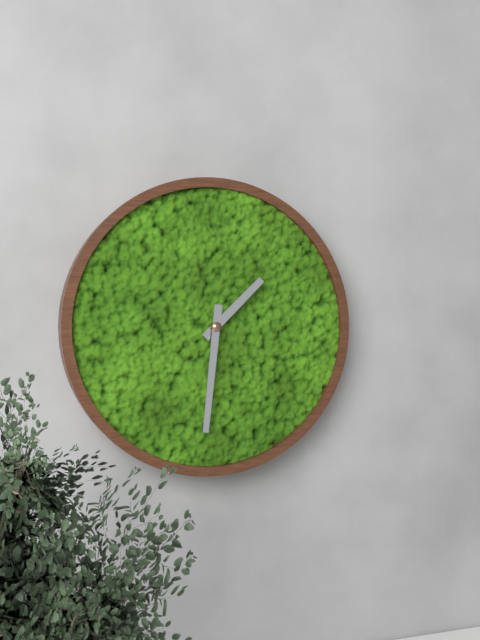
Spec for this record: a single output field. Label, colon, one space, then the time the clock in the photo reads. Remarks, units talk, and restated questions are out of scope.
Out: 1:31
